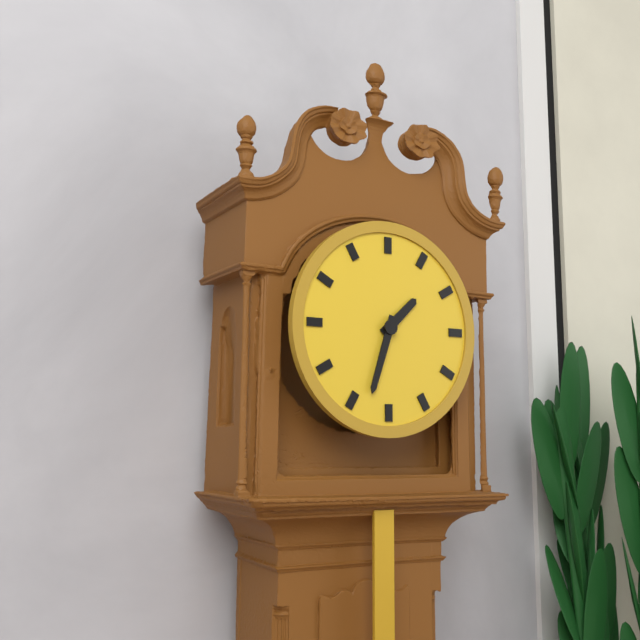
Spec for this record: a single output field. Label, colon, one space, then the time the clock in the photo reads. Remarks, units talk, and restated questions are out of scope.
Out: 1:33
